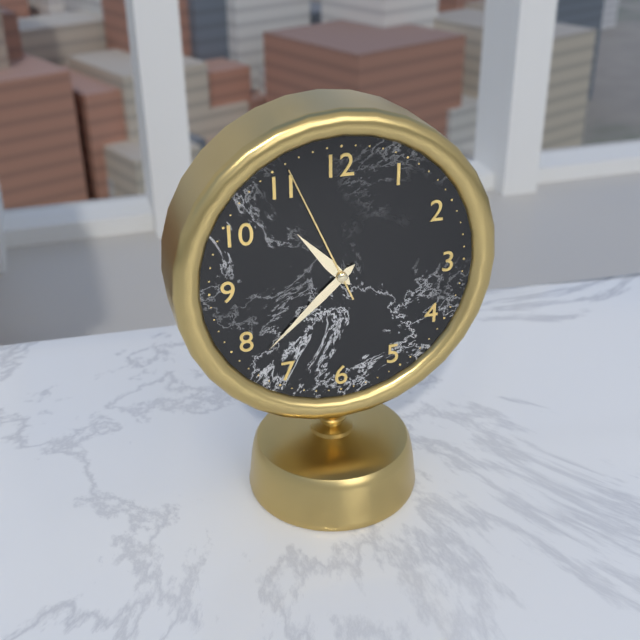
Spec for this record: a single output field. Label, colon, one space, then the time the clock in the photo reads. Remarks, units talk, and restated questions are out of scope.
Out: 10:38:56
